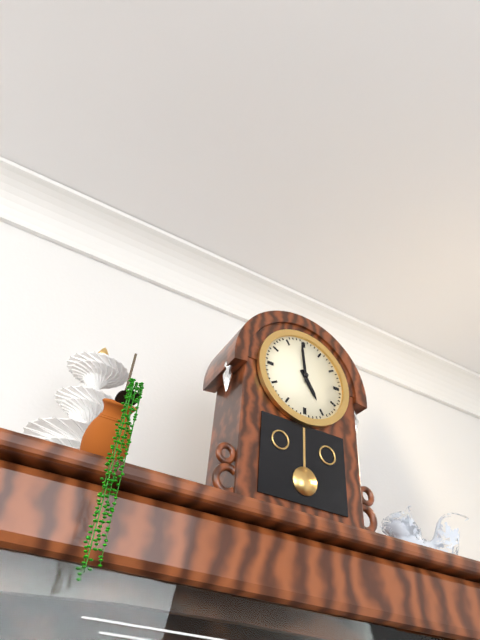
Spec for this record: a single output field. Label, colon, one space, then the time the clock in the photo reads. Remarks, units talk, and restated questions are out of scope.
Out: 4:59
